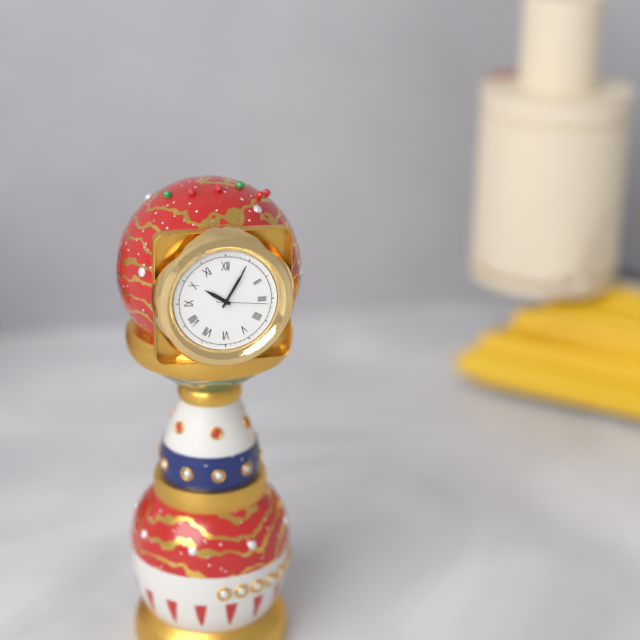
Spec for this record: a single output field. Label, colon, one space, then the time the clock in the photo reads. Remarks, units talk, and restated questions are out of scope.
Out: 10:05:16
